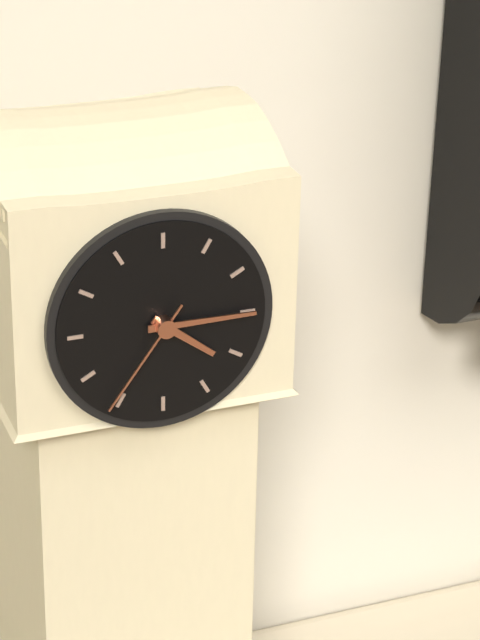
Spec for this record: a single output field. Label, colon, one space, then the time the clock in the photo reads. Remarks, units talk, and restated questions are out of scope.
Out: 4:15:36
